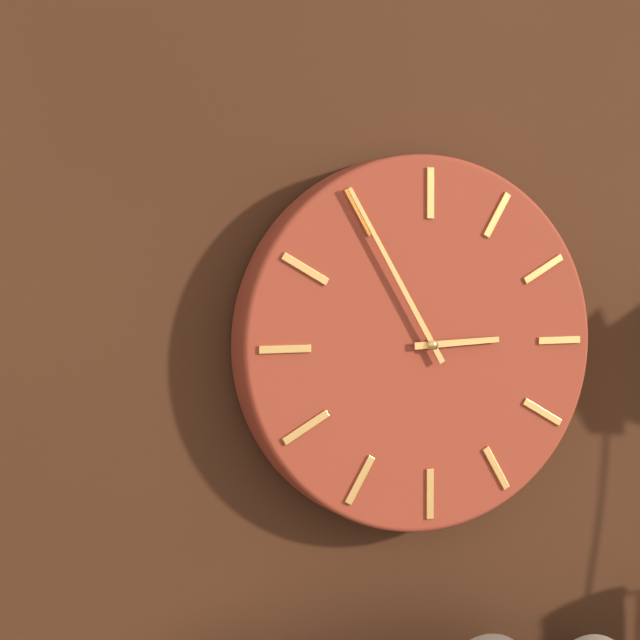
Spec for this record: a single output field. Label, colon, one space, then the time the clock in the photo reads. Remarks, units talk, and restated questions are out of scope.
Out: 2:55
